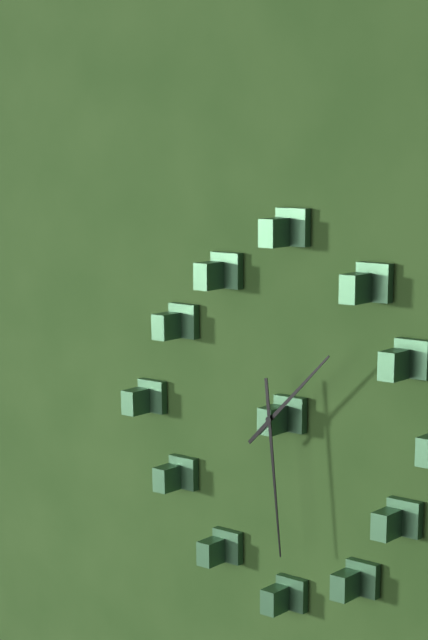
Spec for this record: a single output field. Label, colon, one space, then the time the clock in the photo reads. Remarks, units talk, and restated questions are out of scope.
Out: 1:29
